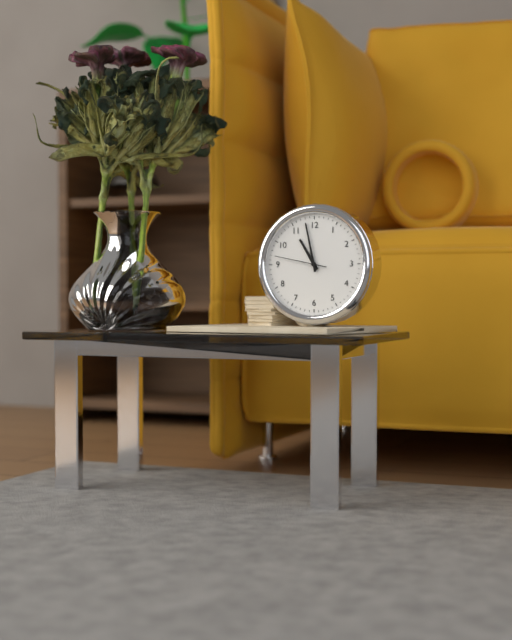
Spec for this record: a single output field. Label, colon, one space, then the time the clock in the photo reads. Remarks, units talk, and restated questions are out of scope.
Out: 10:58:47
